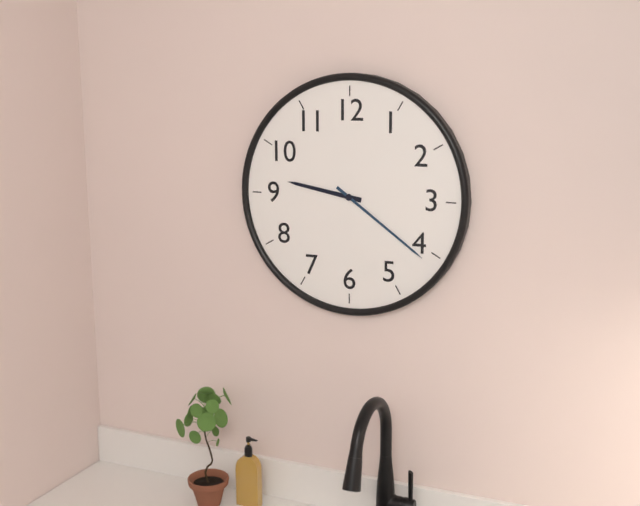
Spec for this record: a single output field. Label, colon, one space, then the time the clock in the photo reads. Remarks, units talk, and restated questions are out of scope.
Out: 9:21
